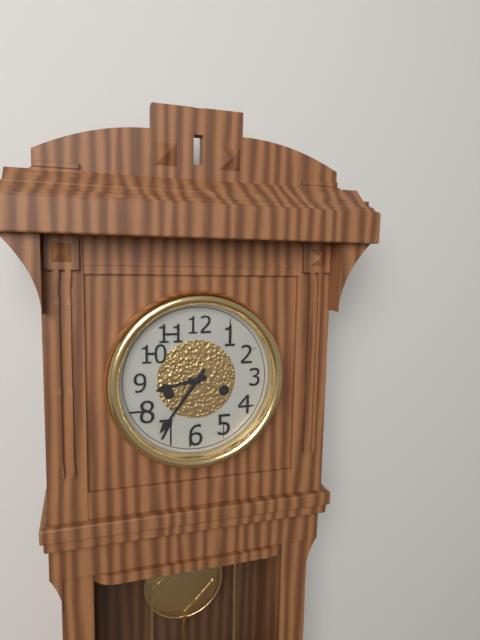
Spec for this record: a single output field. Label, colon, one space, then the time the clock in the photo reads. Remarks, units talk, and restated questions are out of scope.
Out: 8:36
